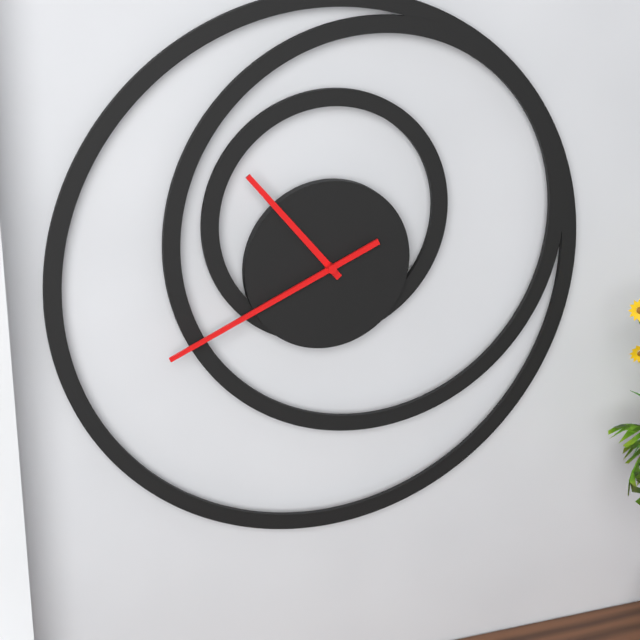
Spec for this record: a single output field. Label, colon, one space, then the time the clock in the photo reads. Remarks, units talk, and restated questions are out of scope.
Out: 10:41
